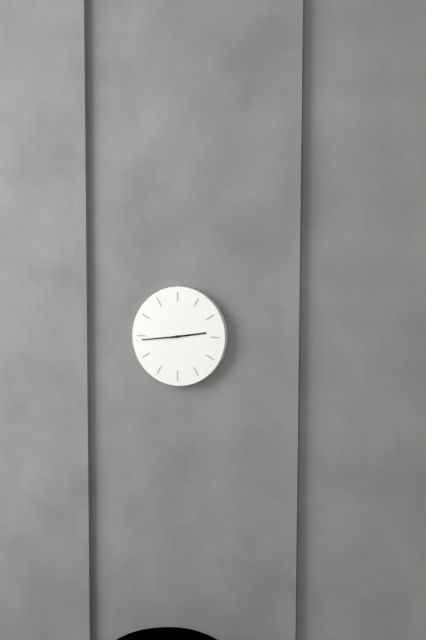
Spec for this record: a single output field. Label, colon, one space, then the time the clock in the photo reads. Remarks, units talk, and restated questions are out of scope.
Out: 2:44
